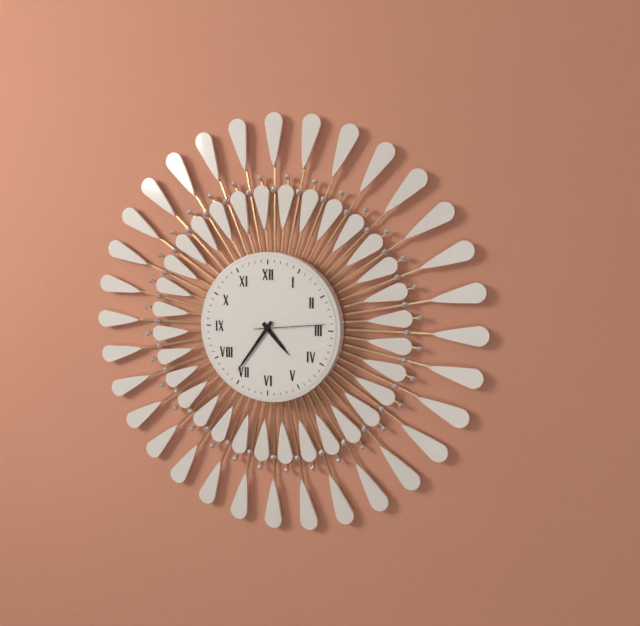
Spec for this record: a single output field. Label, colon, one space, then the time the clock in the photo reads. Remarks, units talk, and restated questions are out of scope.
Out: 4:36:14
